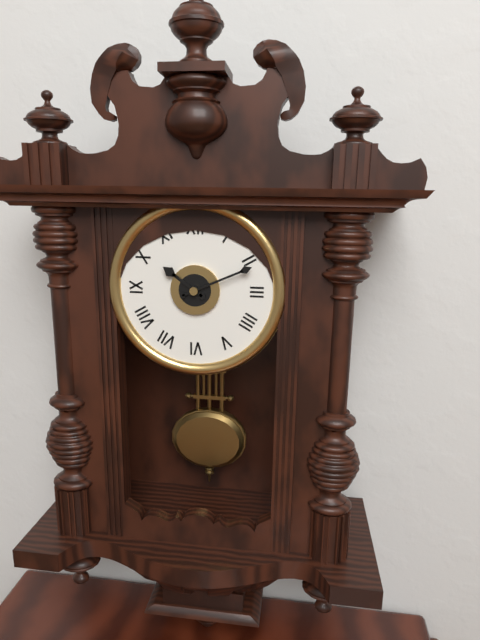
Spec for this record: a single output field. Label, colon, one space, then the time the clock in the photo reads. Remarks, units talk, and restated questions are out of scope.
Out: 10:11
